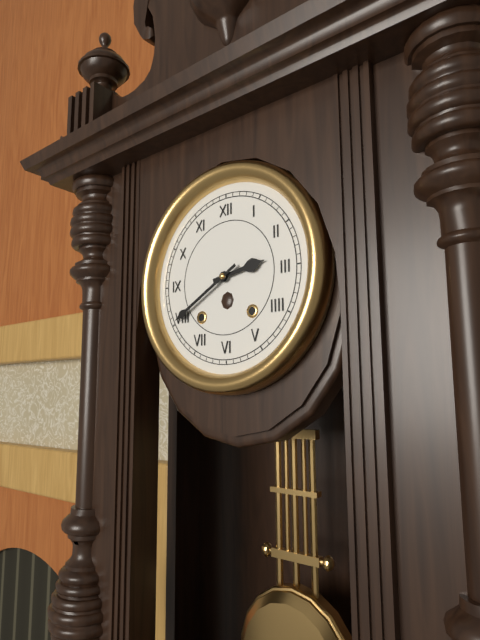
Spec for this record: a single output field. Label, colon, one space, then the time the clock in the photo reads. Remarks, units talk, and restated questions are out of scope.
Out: 2:40
